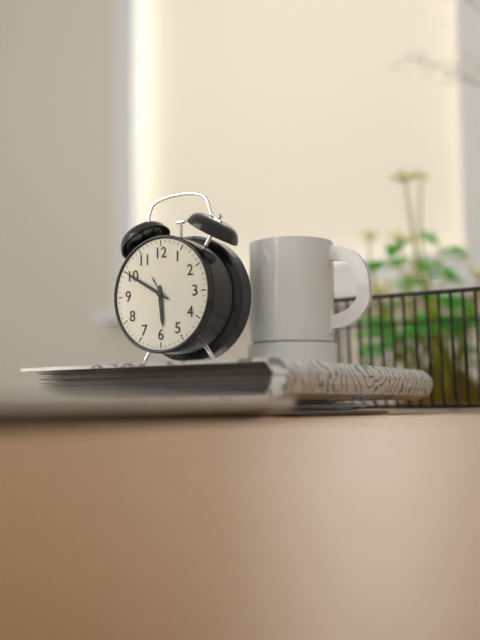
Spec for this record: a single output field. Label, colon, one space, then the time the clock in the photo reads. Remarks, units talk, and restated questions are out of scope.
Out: 5:50
